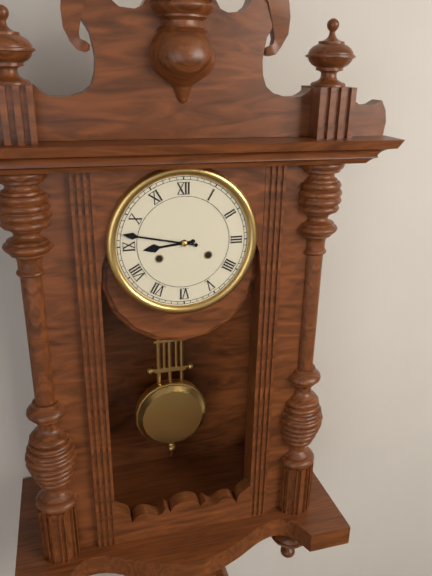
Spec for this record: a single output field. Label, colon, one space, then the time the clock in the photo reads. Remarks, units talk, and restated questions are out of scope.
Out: 8:47
